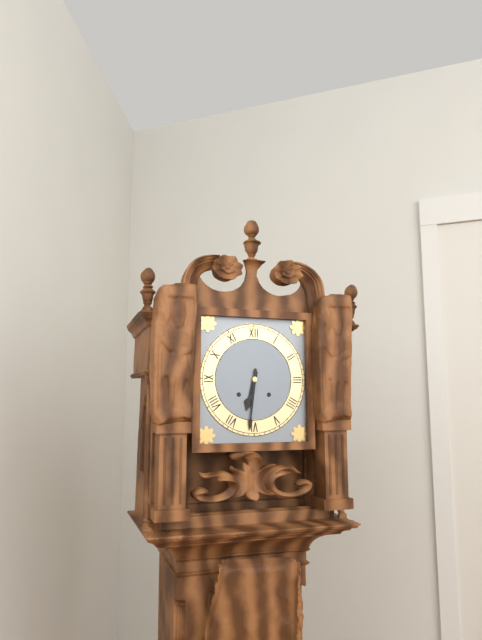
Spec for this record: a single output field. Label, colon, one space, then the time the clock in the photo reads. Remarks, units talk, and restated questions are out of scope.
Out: 6:31
